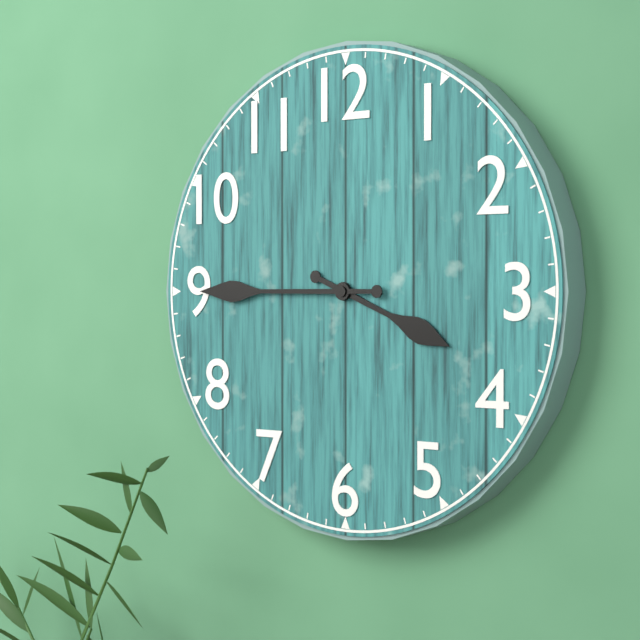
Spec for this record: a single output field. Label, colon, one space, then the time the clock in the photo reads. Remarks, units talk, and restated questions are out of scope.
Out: 3:45
